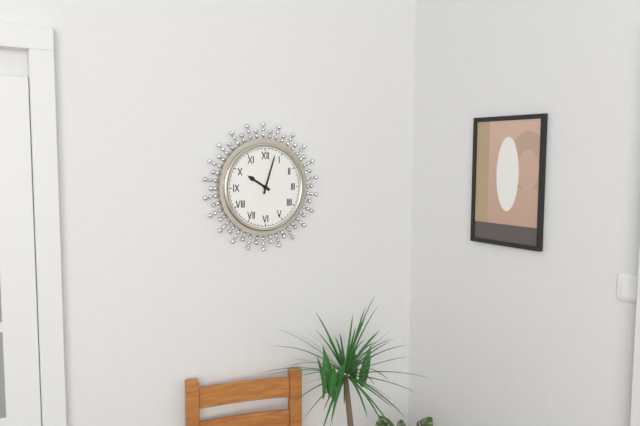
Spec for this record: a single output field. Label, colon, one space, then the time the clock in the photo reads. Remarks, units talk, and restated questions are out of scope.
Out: 10:03
